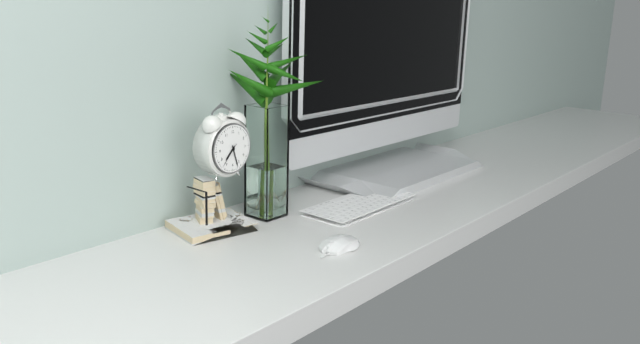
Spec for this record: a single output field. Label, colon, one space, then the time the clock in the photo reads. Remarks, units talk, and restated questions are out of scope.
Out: 7:27
